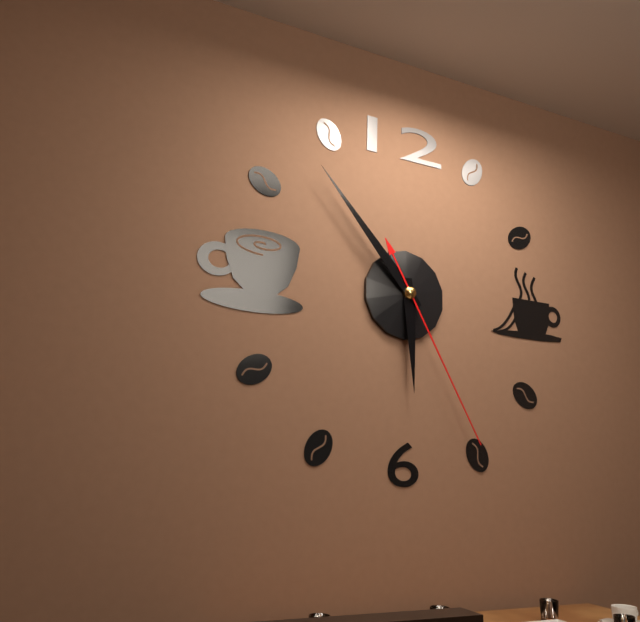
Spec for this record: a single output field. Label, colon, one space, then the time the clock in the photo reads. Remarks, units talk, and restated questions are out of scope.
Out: 5:53:25
